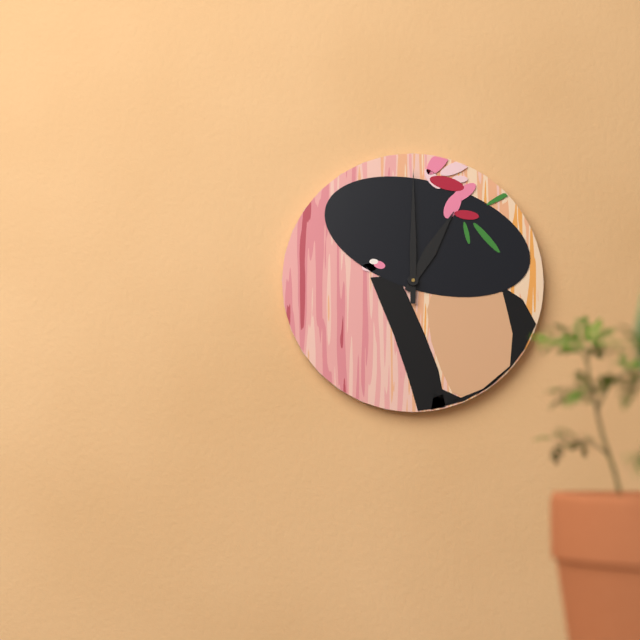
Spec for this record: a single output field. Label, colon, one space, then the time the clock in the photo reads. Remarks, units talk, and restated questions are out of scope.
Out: 1:00
